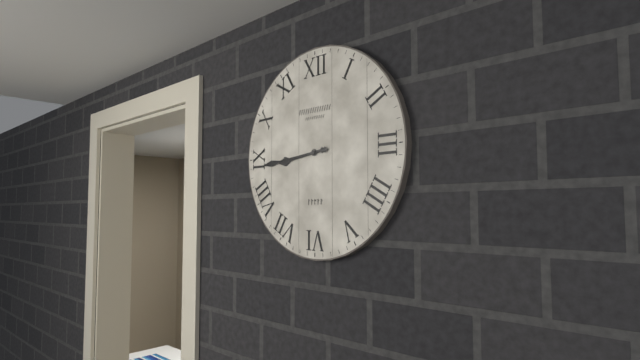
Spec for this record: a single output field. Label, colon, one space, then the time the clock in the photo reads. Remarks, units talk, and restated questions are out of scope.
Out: 8:44
